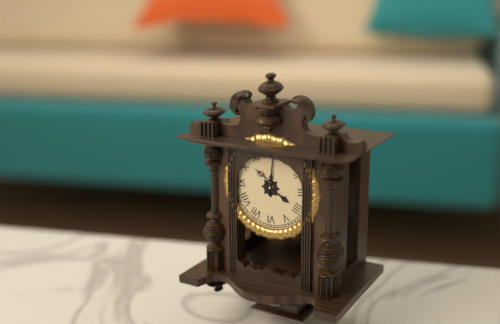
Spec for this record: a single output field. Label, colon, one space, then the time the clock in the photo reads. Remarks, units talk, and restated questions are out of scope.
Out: 4:01
